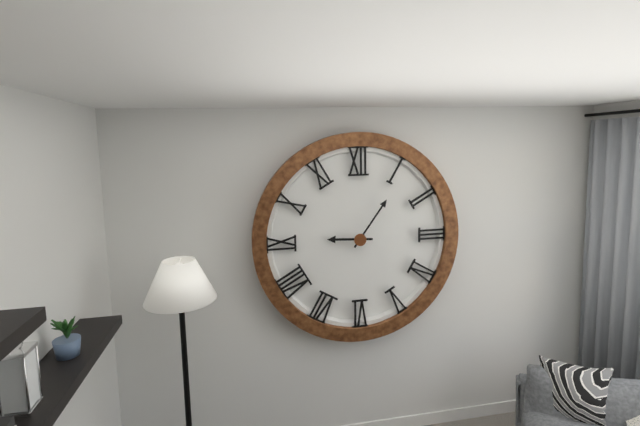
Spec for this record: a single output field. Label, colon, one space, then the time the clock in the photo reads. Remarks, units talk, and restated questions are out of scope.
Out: 9:06
